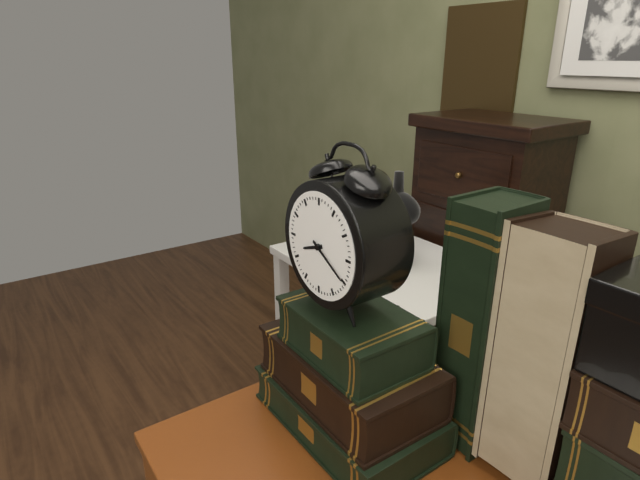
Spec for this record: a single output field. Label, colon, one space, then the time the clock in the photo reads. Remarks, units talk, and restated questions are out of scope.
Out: 8:20
